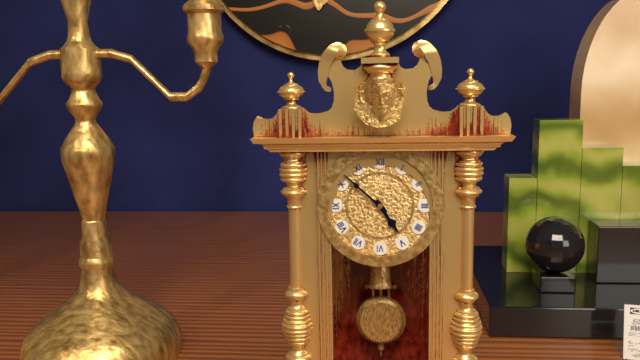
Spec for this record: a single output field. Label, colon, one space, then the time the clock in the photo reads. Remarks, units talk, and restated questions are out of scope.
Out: 4:52
